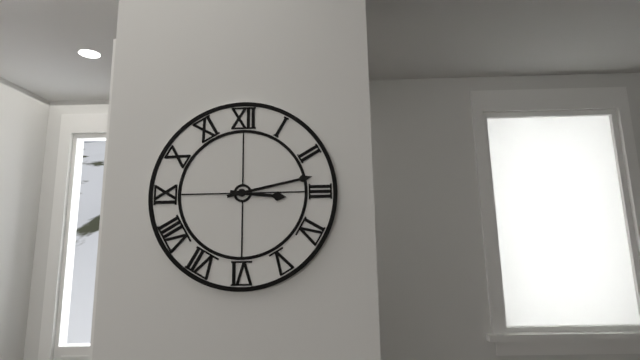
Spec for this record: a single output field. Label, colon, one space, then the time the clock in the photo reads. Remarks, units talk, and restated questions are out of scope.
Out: 3:13
